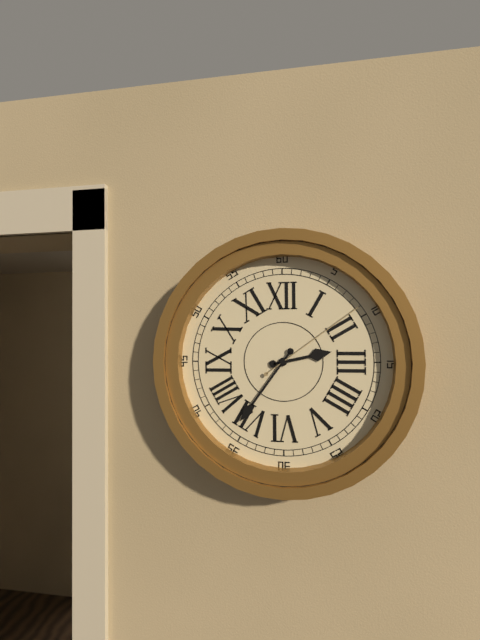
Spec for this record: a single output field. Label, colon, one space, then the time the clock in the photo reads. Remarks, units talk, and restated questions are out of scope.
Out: 2:36:09
